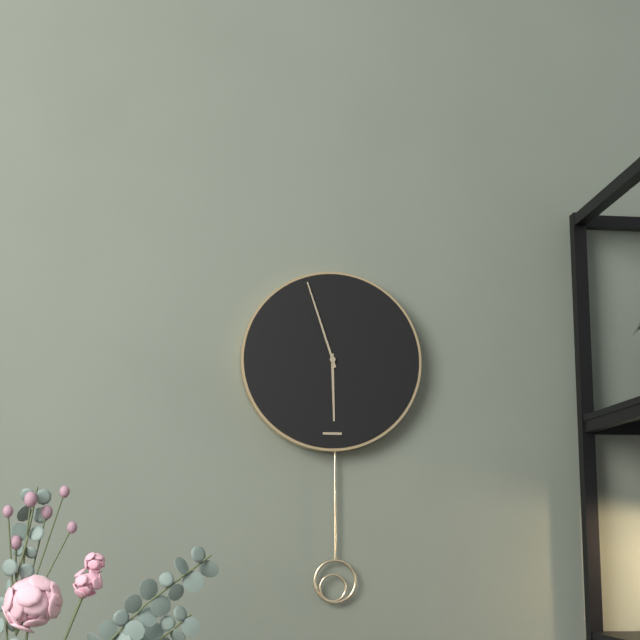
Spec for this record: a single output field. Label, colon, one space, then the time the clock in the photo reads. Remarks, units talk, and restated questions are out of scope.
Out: 5:57
